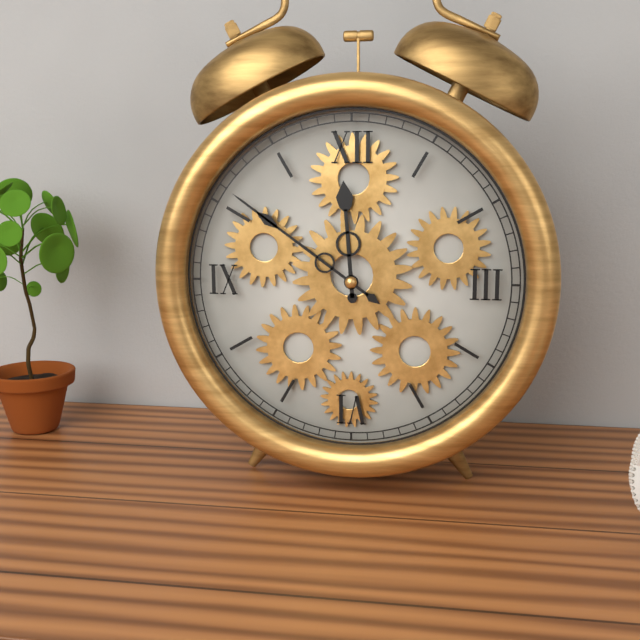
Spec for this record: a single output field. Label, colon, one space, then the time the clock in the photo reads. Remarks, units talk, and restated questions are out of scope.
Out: 11:51
